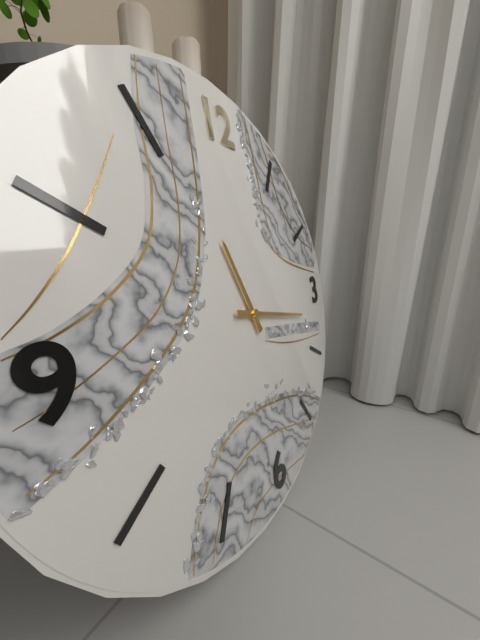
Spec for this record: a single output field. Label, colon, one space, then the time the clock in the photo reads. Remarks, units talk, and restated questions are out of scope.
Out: 11:17
